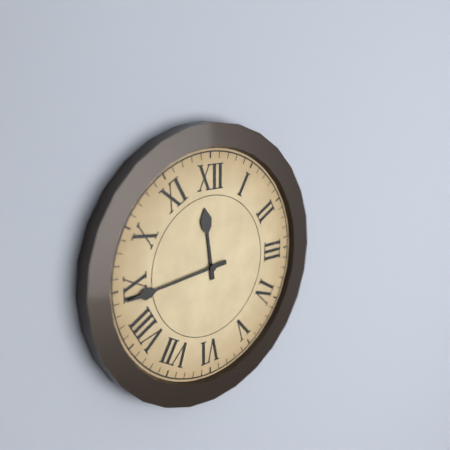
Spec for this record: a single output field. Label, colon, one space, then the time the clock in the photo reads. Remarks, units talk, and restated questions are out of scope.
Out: 11:44
